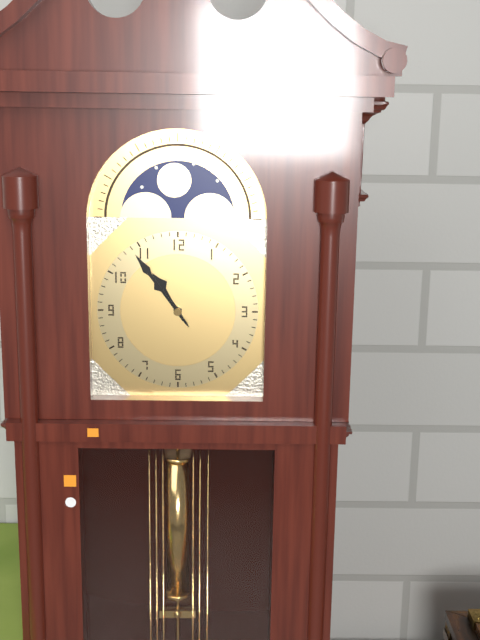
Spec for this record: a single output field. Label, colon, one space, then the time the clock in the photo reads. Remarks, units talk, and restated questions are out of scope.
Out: 10:54
